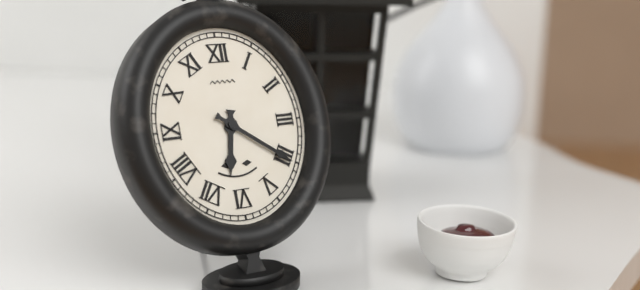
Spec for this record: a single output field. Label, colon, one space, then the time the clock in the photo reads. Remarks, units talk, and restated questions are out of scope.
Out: 6:21
